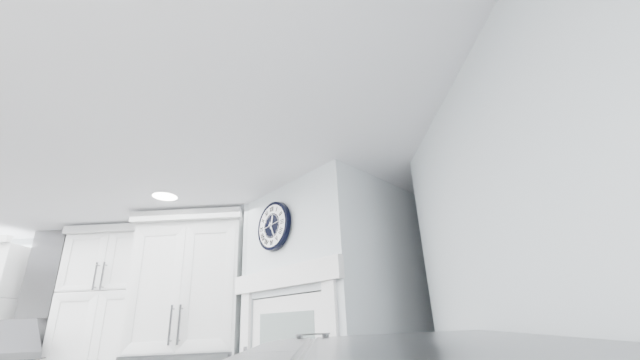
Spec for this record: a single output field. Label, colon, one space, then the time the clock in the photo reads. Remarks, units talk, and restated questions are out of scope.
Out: 12:26
